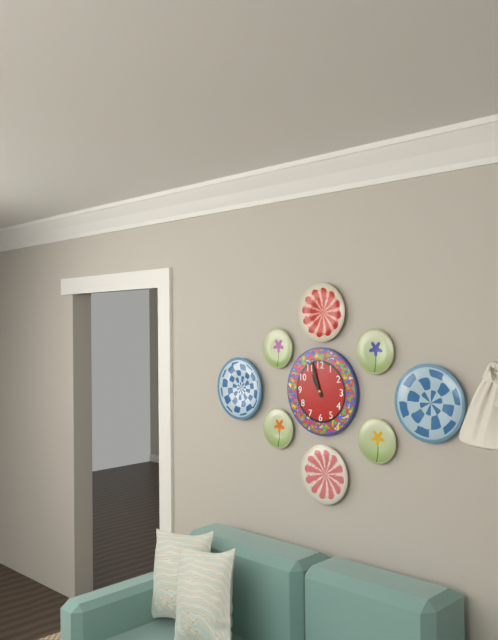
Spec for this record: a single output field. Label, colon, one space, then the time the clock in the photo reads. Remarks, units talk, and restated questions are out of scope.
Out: 10:57
